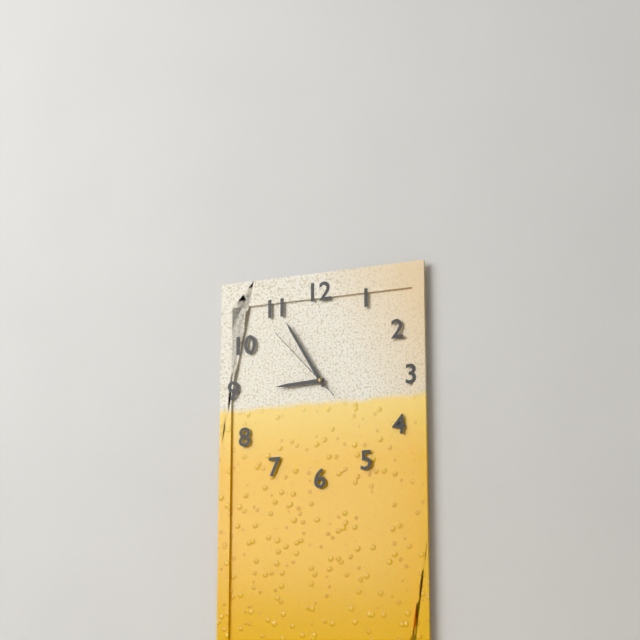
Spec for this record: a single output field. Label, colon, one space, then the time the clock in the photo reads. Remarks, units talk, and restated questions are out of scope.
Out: 8:55:53
